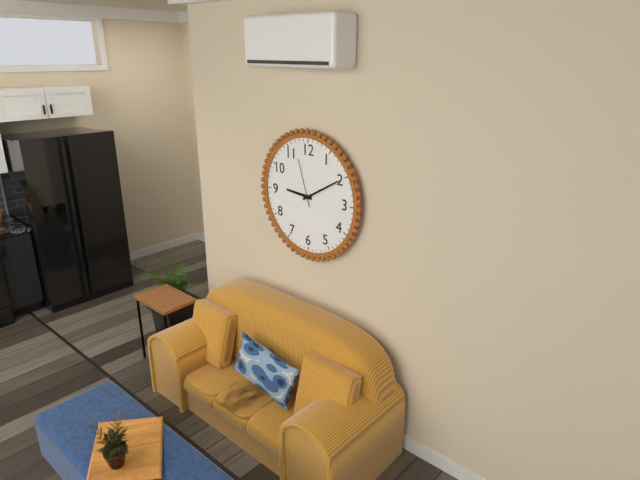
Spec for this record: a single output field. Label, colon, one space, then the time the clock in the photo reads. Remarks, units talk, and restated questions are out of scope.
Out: 9:10
